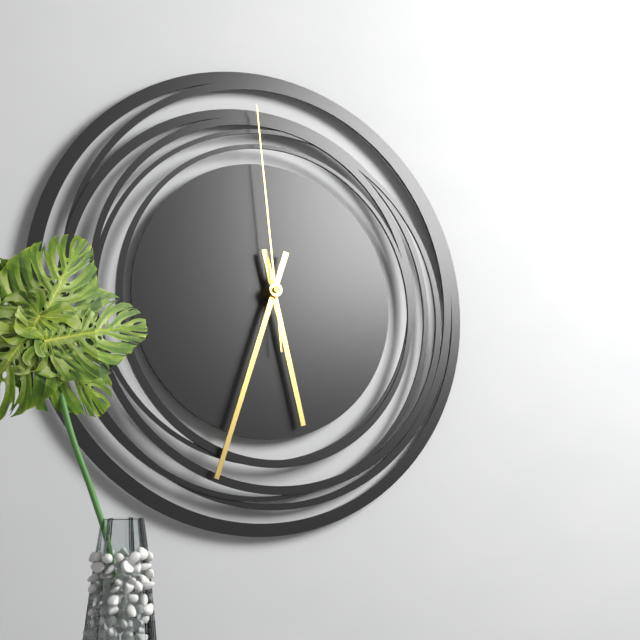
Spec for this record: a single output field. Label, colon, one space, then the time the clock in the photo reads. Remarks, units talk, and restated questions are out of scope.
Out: 5:33:59
